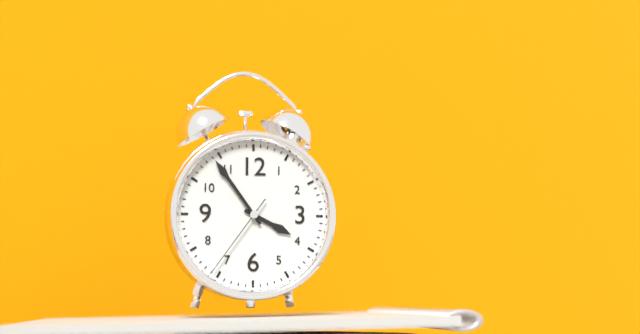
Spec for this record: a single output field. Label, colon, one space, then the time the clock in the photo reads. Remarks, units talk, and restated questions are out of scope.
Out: 3:54:36
